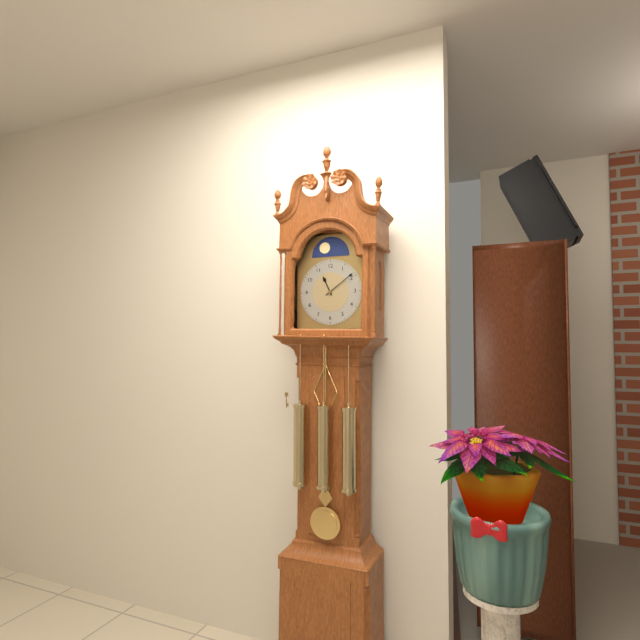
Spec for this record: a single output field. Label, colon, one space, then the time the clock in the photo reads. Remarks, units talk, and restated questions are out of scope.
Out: 11:09
